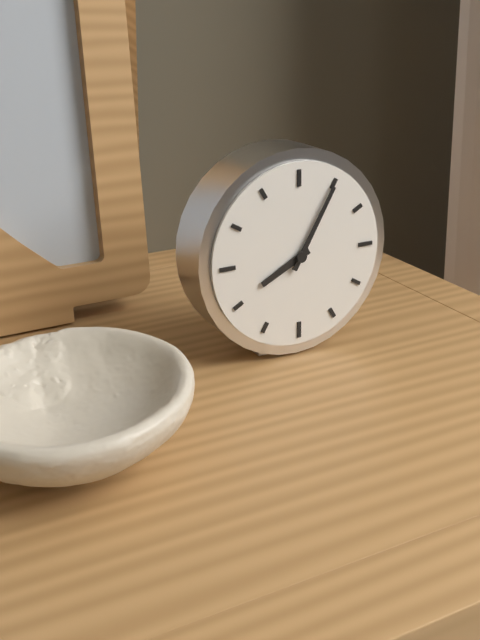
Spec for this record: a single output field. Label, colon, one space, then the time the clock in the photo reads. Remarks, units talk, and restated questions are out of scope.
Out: 8:05
